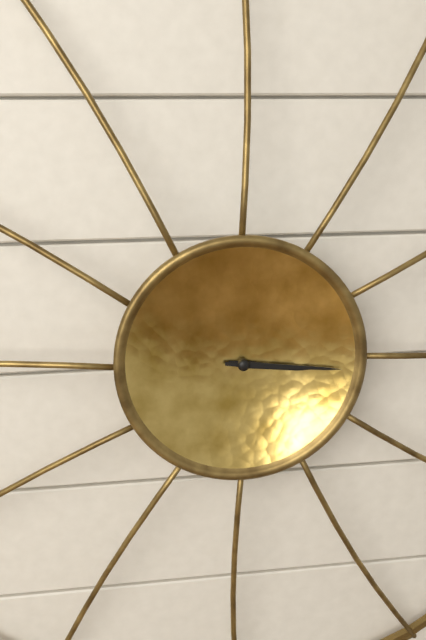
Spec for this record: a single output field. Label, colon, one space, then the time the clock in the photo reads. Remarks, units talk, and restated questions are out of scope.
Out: 3:16
